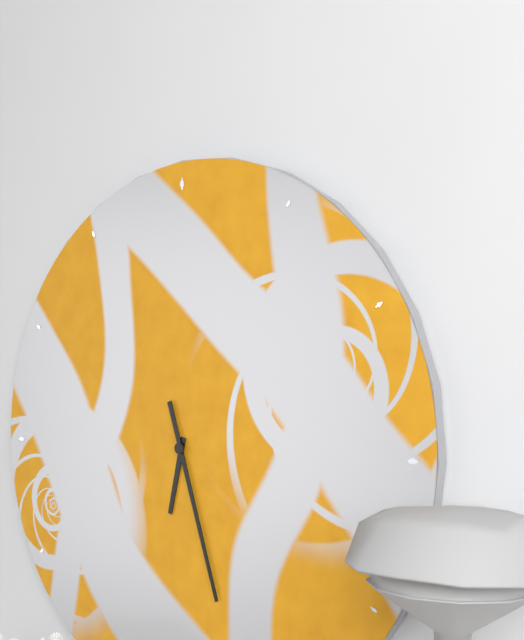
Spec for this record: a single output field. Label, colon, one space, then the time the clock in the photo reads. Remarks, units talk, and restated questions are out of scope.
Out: 6:27
